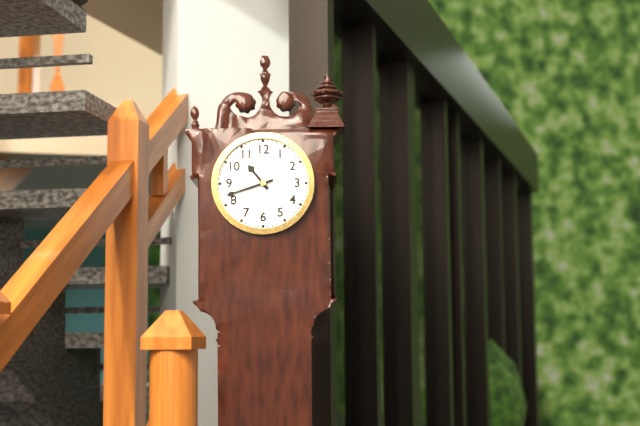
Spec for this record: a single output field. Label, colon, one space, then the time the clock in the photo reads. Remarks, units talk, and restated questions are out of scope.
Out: 10:42
